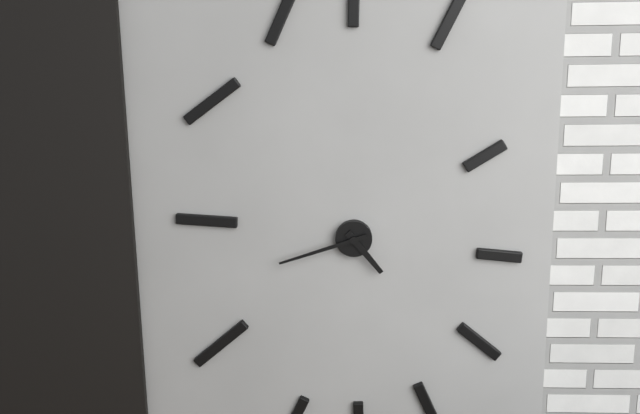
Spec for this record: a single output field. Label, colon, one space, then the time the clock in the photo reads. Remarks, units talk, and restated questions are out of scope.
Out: 4:42
